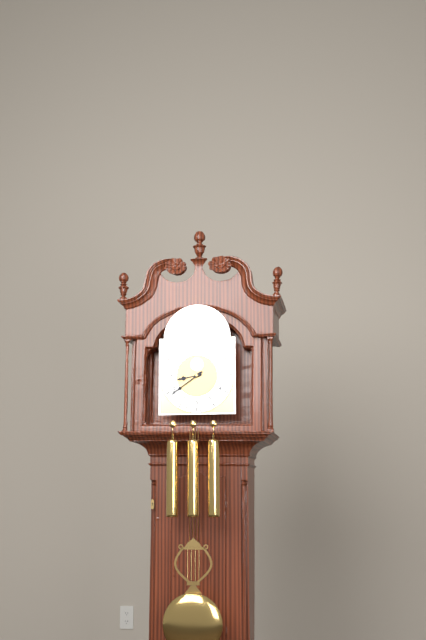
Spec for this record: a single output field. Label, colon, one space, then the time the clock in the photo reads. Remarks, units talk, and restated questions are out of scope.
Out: 8:39
